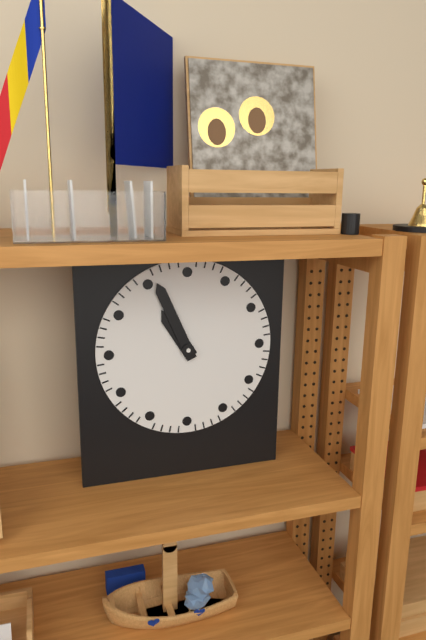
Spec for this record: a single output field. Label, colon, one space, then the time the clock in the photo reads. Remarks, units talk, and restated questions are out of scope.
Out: 10:56
